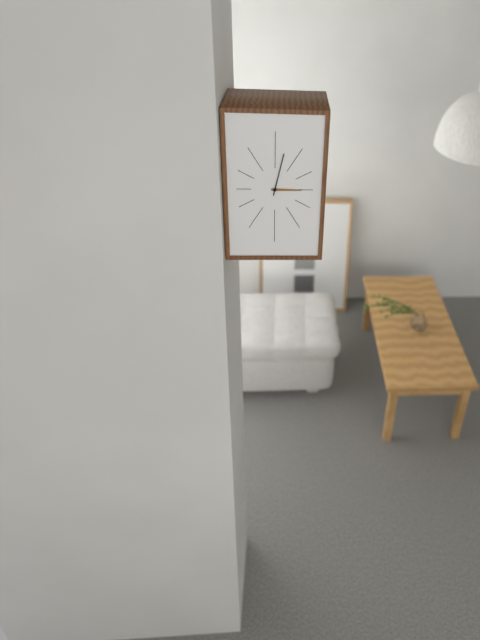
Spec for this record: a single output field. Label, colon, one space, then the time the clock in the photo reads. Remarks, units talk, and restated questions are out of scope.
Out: 3:02
